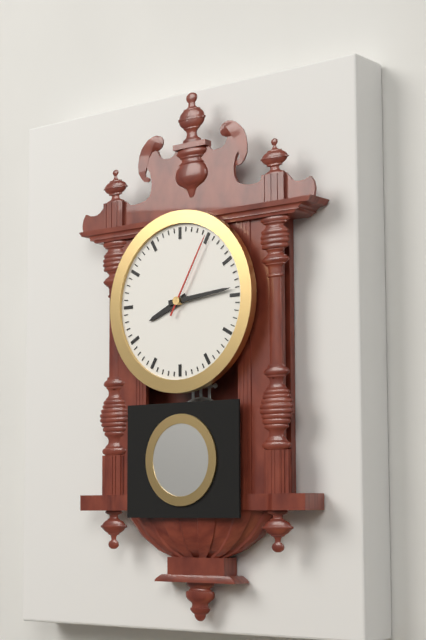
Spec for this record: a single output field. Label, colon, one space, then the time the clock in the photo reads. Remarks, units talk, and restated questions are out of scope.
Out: 8:14:05
